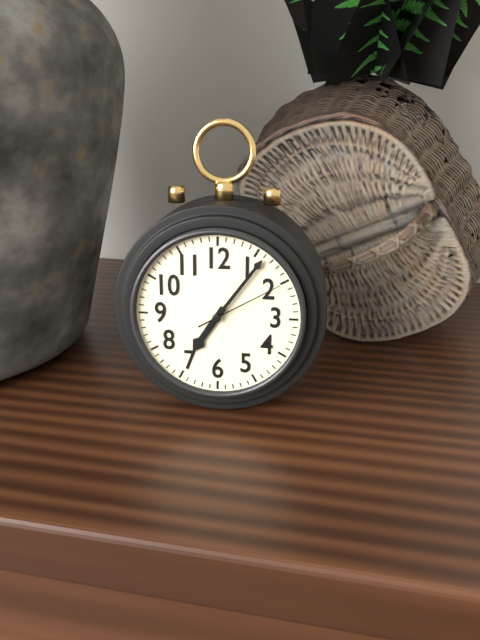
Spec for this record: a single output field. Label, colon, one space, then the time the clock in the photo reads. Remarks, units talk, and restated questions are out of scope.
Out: 7:06:10
